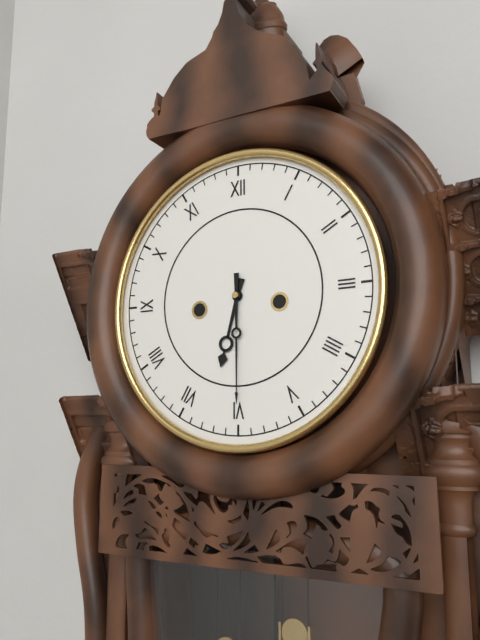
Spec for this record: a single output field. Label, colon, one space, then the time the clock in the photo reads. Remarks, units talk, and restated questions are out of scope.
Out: 6:30
